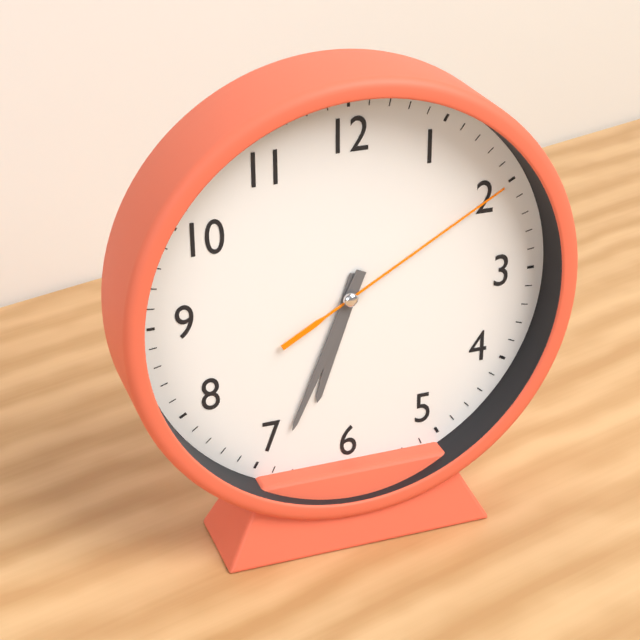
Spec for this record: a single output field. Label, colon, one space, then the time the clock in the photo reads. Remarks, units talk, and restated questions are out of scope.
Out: 6:34:10
